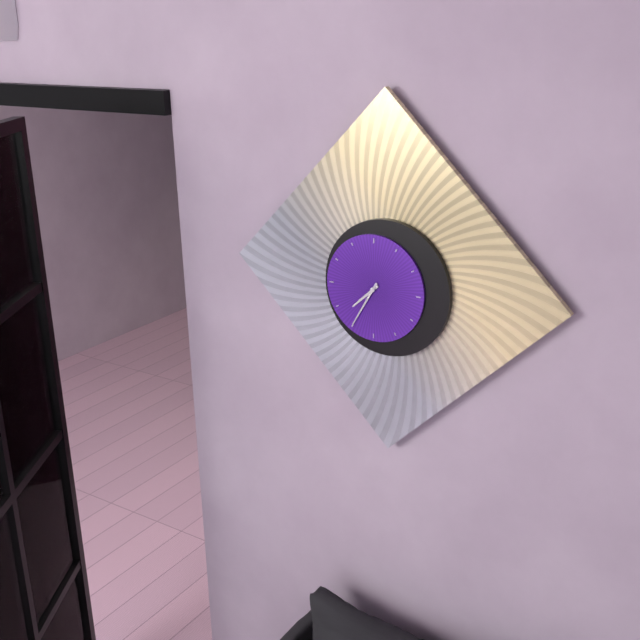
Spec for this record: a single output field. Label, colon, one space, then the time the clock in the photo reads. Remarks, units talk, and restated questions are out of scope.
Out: 7:35
